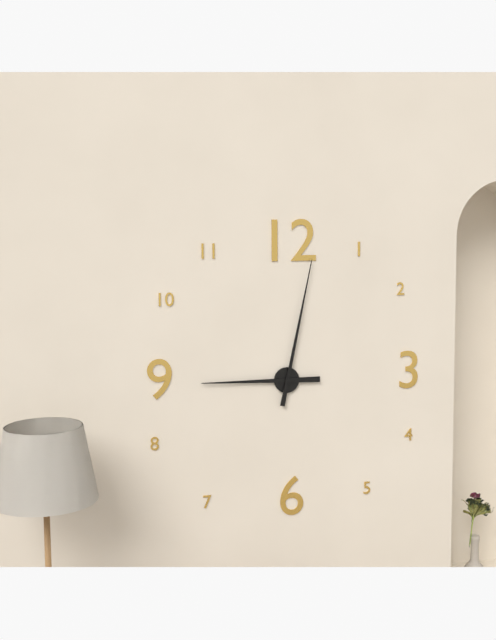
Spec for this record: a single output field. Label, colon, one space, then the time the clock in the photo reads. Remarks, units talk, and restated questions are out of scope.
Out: 9:02
